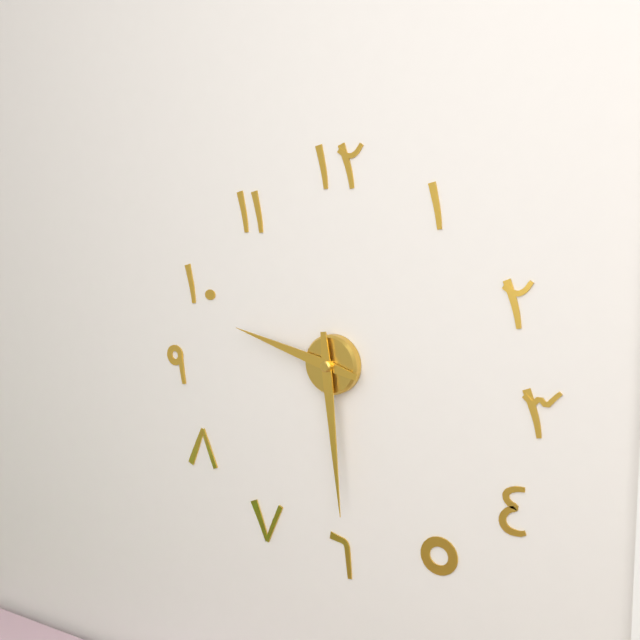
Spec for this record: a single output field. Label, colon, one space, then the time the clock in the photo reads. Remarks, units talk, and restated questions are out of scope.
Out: 9:29
